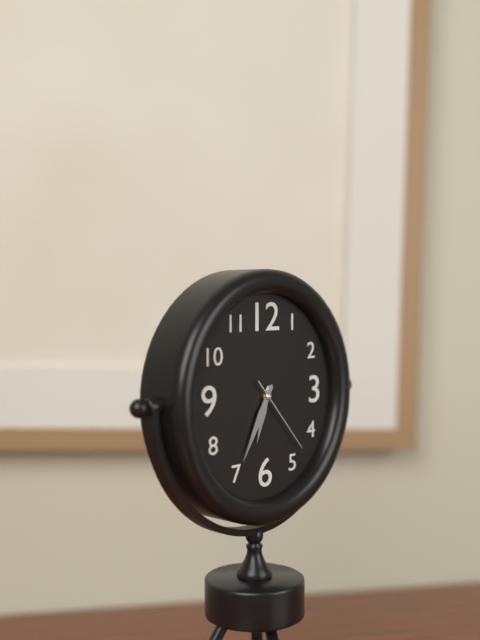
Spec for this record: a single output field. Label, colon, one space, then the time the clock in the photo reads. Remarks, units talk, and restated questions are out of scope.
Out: 6:35:23
